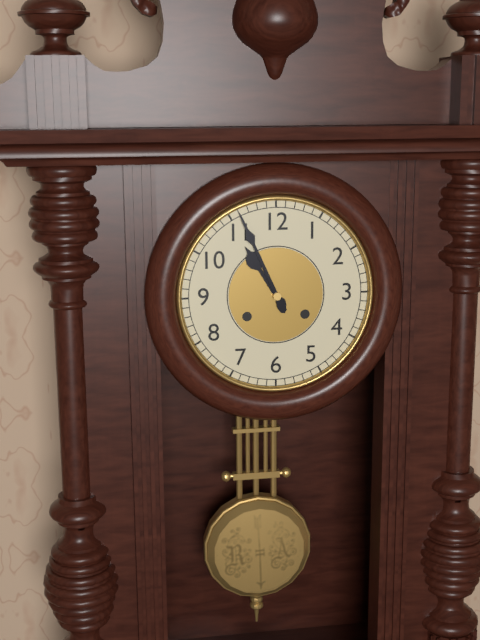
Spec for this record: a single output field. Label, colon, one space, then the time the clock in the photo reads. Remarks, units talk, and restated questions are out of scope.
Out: 10:56
